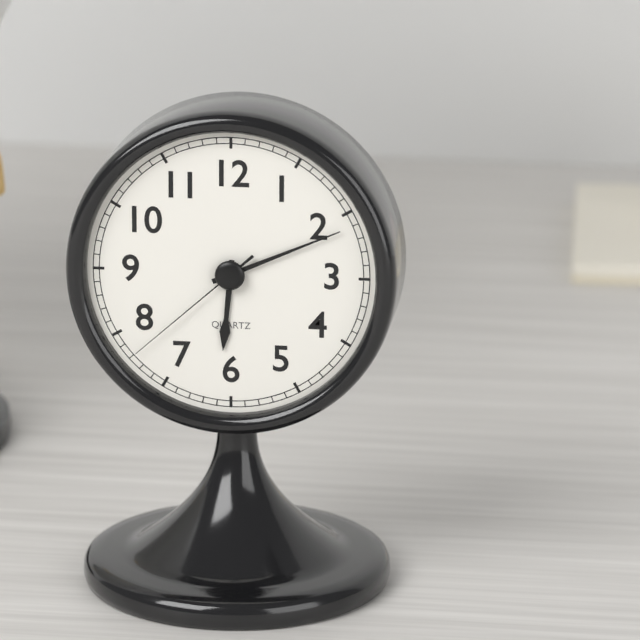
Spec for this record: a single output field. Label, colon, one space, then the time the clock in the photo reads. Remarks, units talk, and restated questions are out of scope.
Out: 6:11:38
